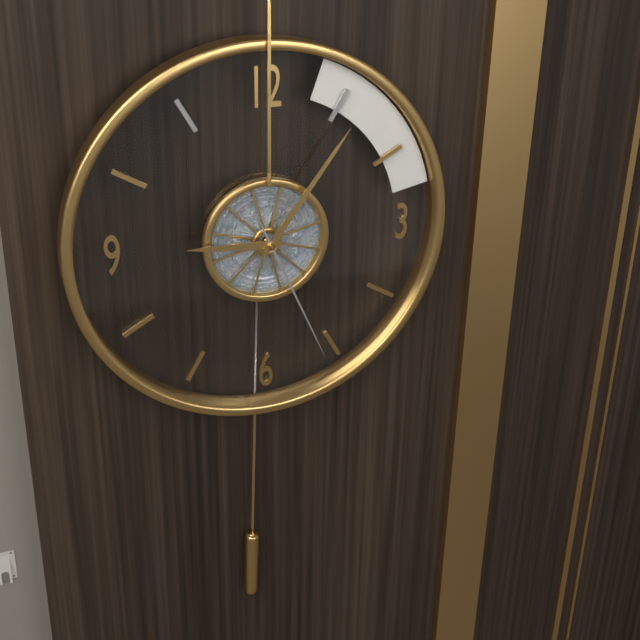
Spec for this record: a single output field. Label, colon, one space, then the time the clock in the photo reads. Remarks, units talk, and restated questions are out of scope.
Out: 9:06:26
